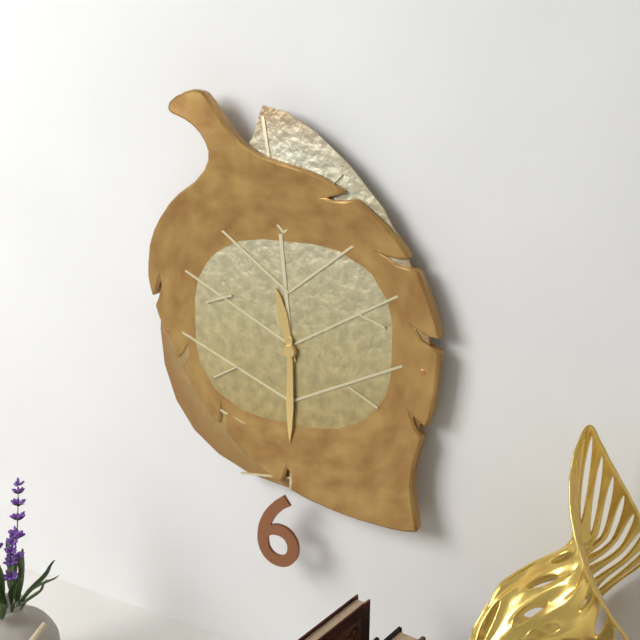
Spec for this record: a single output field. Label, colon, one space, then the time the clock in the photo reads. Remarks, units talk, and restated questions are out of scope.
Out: 11:30
